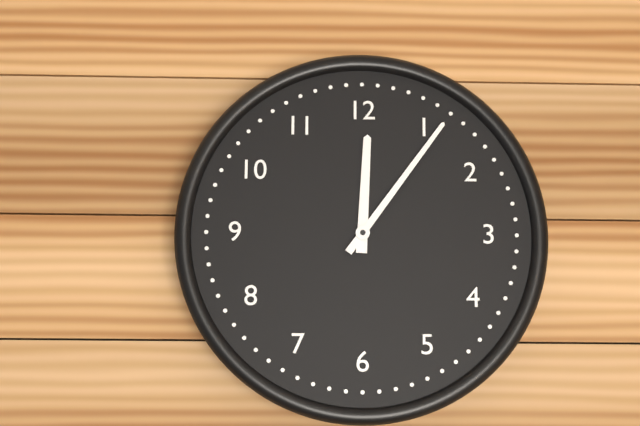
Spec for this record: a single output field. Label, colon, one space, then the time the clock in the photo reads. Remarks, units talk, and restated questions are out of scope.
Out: 12:06
